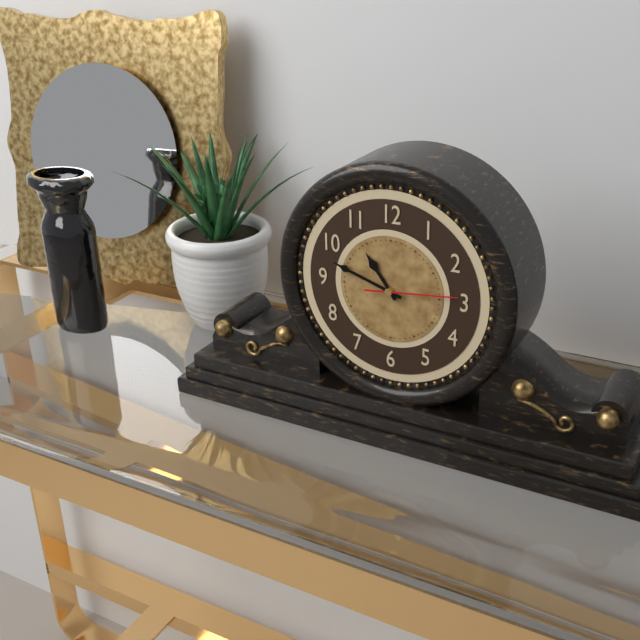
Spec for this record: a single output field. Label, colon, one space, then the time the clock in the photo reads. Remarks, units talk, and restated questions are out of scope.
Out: 10:48:14
